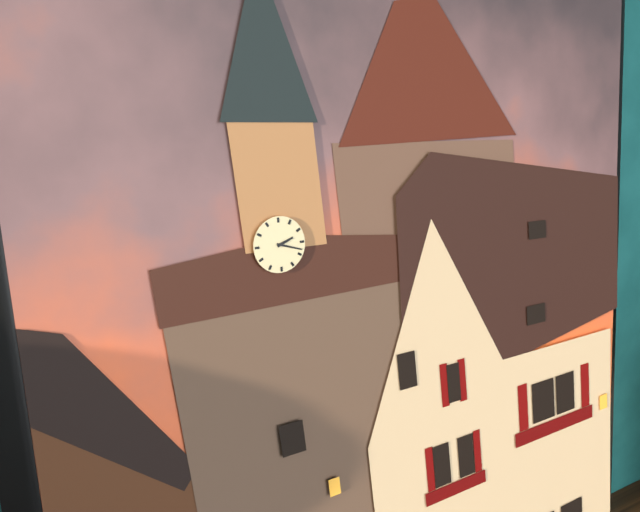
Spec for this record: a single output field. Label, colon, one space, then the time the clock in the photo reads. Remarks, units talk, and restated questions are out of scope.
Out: 2:18
